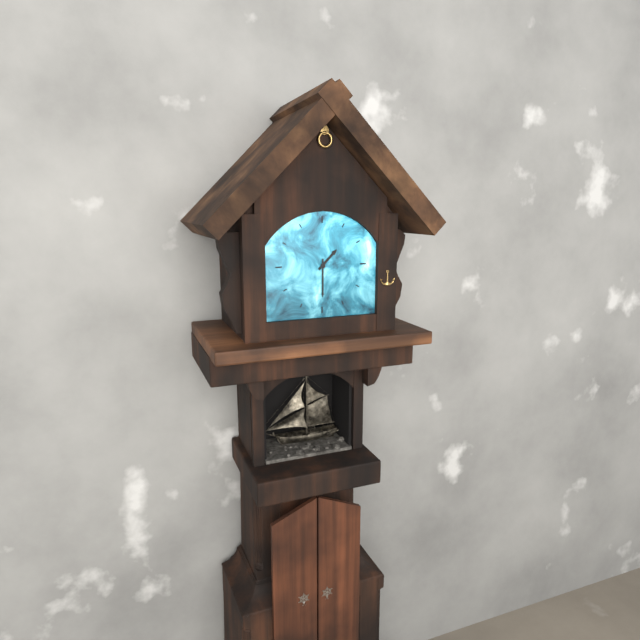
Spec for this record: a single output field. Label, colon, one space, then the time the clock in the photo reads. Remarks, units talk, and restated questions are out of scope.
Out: 1:30
